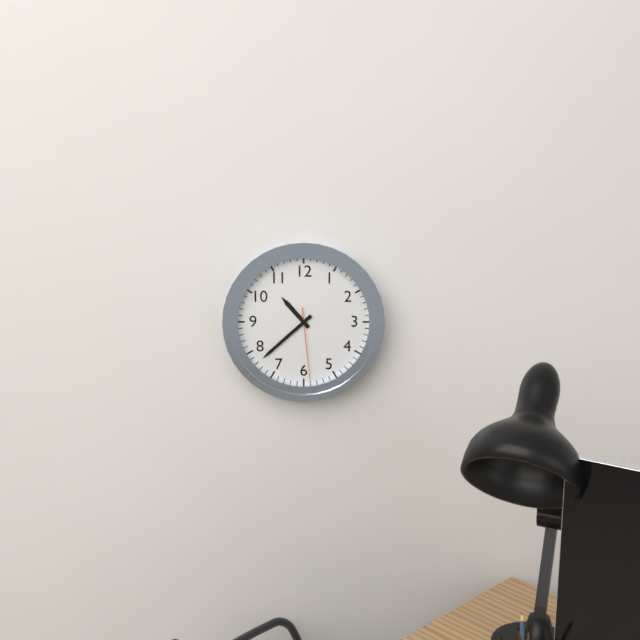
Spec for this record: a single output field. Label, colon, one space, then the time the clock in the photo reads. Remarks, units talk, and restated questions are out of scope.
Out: 10:38:29
